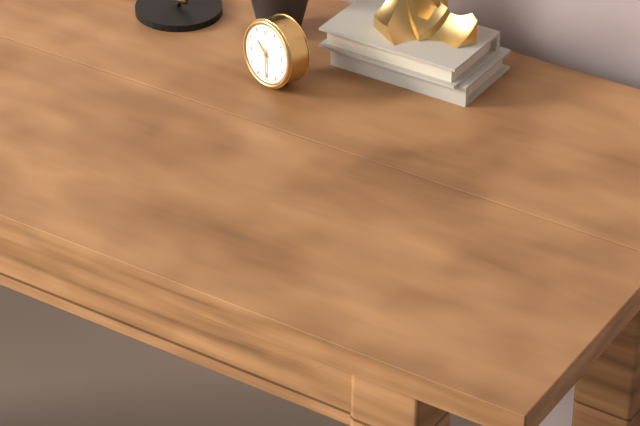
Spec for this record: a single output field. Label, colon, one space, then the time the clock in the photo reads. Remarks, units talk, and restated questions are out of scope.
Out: 10:30
